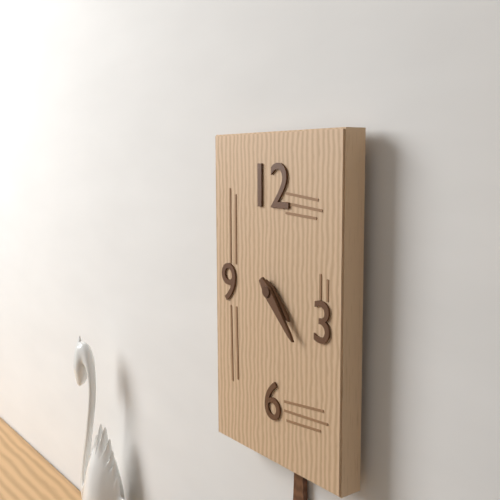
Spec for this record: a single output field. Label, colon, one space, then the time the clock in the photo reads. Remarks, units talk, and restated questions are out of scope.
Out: 4:23
